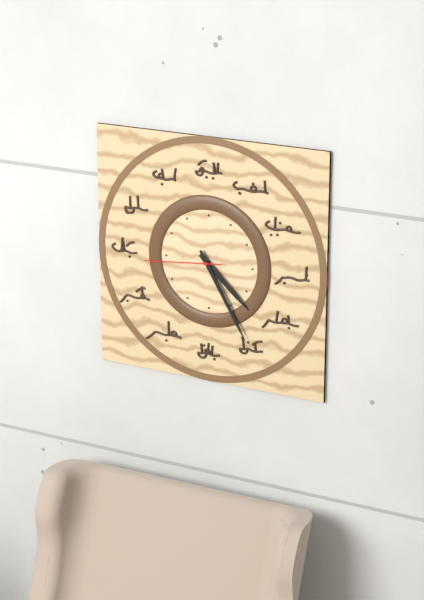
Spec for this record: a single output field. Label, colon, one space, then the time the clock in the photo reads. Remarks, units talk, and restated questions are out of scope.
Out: 4:25:44
